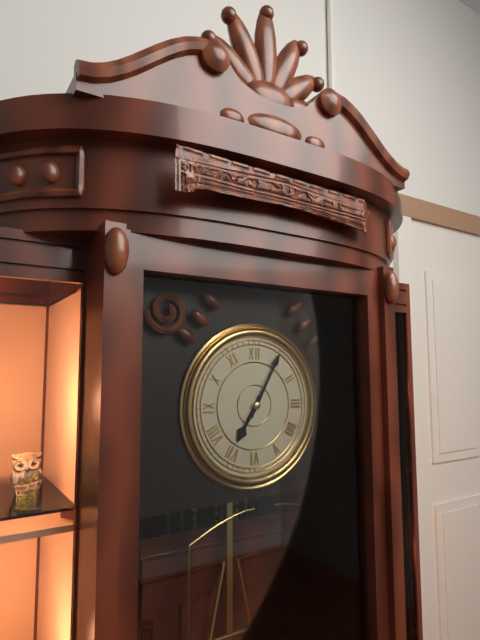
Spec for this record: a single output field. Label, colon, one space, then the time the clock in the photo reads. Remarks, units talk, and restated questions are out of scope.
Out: 7:05
